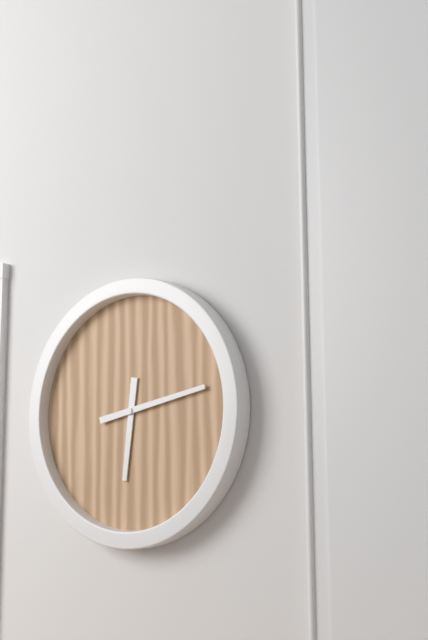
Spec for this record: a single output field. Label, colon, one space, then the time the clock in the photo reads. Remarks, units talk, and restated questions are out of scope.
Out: 6:13
